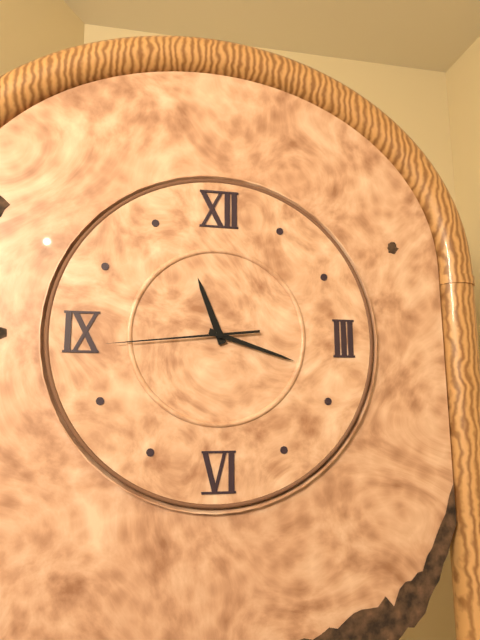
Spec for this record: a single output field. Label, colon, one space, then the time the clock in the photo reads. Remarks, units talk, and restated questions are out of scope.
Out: 11:18:44
